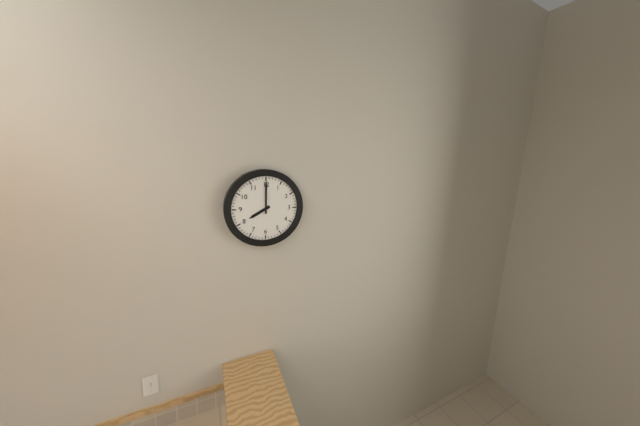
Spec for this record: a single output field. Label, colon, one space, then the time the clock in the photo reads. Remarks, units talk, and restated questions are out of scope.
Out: 8:00
